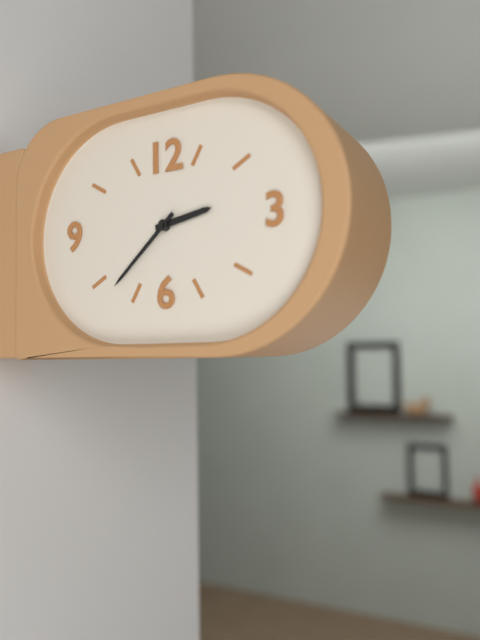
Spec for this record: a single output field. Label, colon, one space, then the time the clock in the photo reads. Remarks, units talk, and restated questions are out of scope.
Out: 2:38
